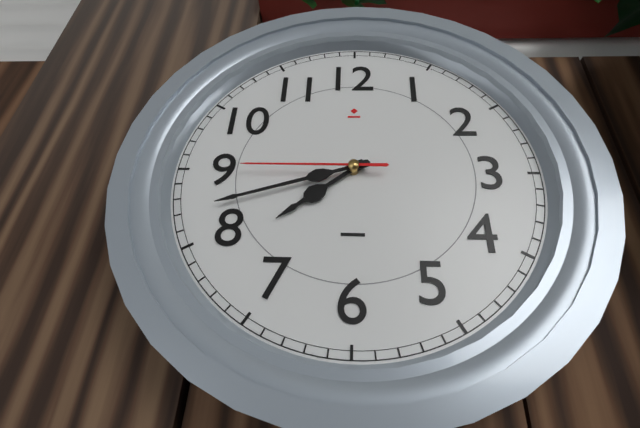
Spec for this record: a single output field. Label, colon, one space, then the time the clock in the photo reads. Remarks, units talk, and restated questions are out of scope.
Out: 7:42:45
